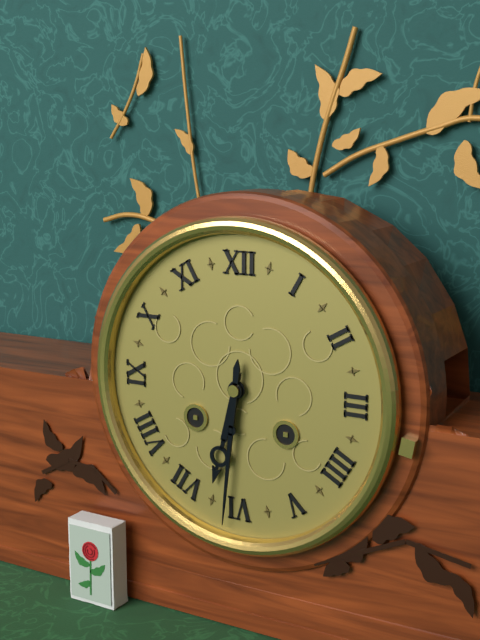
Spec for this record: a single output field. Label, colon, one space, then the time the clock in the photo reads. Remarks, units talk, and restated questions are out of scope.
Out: 6:31
